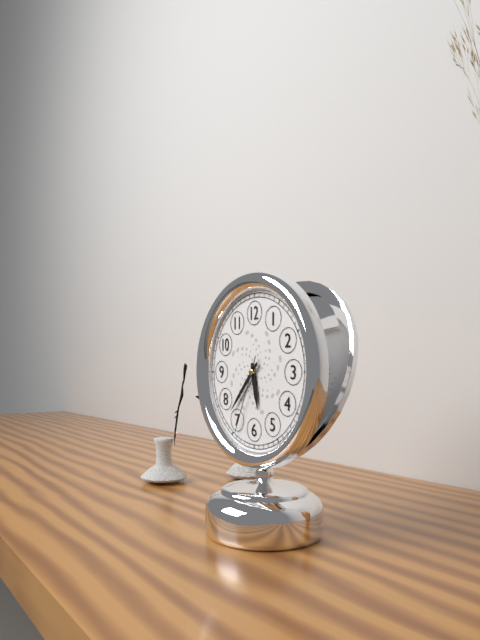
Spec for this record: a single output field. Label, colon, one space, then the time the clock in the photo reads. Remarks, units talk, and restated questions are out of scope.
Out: 5:37:34
